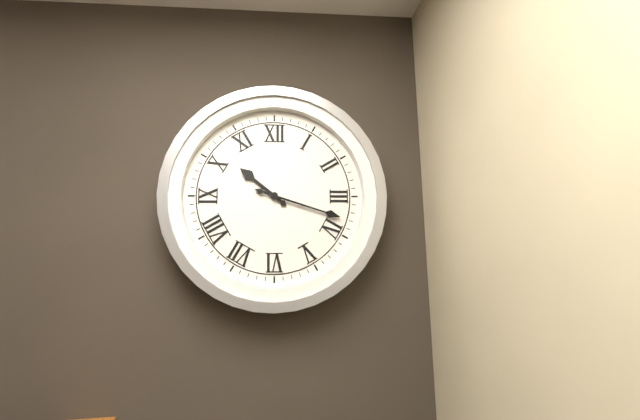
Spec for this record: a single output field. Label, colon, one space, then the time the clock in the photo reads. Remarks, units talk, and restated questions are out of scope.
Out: 10:18
